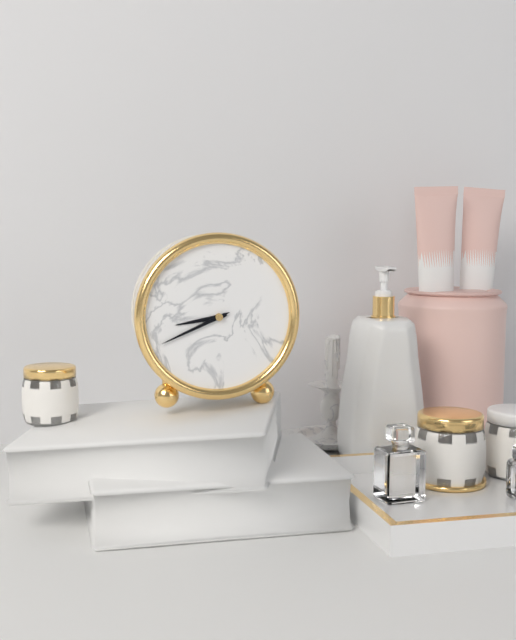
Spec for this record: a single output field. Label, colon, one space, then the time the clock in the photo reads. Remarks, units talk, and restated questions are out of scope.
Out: 8:41
